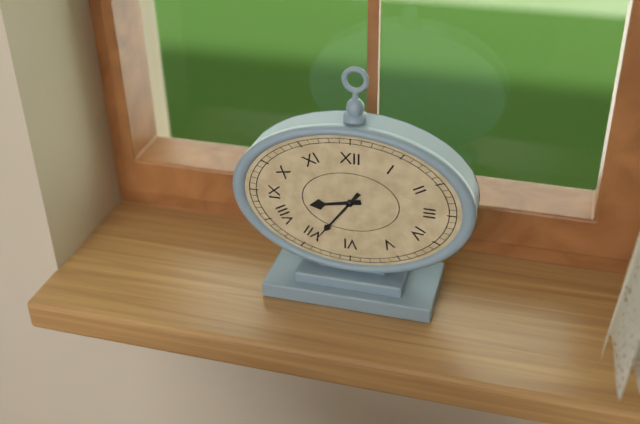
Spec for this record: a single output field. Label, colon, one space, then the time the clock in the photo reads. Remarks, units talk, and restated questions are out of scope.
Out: 8:36
